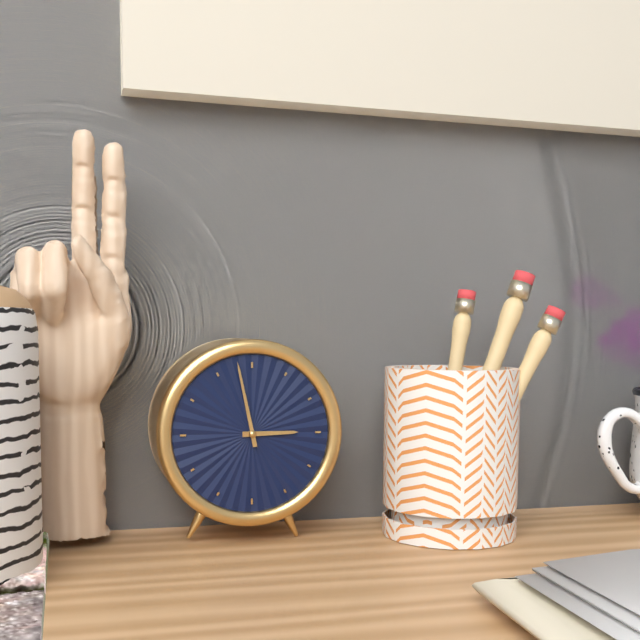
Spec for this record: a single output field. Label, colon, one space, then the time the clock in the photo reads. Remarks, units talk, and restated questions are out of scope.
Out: 2:58
